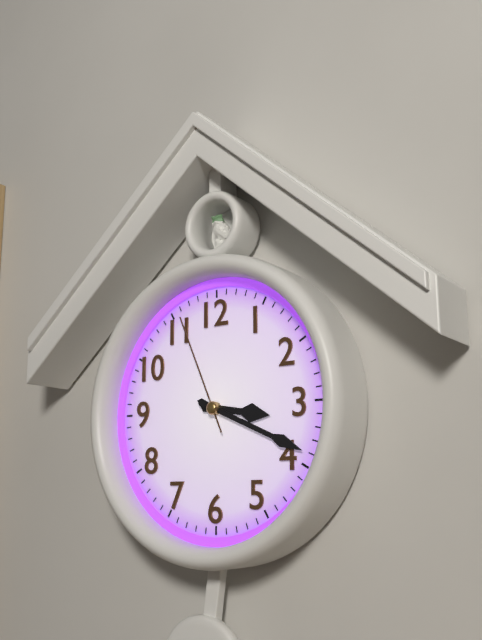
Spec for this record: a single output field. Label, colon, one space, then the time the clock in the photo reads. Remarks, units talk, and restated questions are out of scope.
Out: 3:19:56
